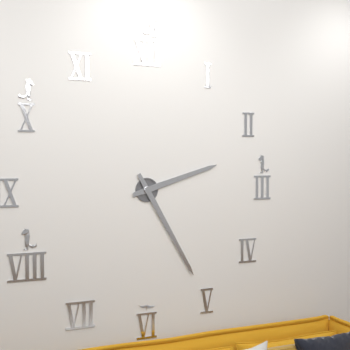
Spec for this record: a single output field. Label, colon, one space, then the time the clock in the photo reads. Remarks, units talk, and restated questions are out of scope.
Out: 2:25
